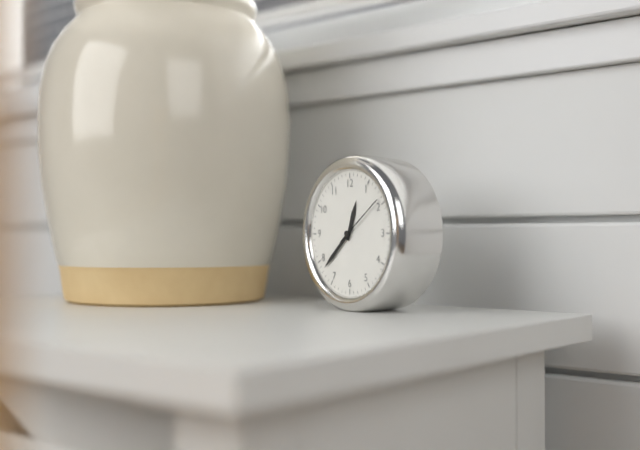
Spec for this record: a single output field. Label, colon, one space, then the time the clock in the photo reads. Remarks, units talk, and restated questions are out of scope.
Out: 12:38:09
